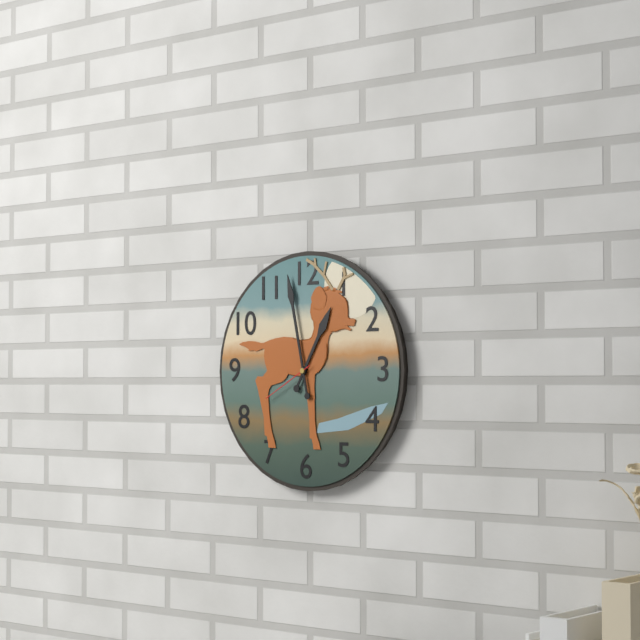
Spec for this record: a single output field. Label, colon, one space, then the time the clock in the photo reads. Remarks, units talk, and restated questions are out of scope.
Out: 12:58:40
